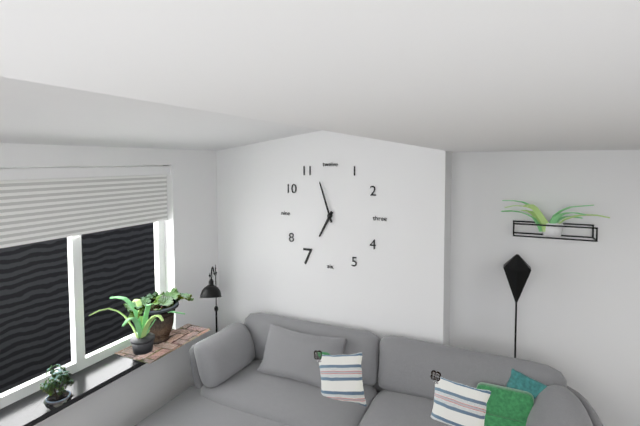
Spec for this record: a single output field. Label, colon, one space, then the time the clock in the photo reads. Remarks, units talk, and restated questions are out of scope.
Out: 6:57
